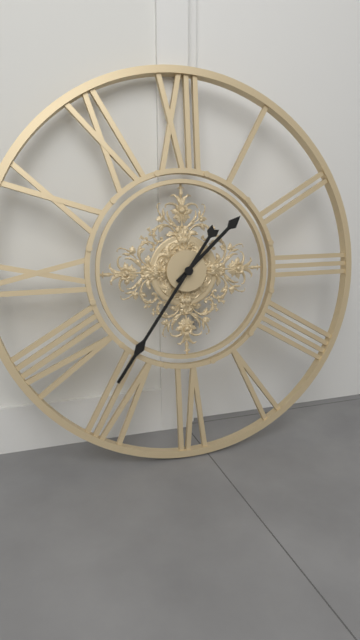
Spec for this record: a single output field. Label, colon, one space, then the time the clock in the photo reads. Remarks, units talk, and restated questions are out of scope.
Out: 1:36
